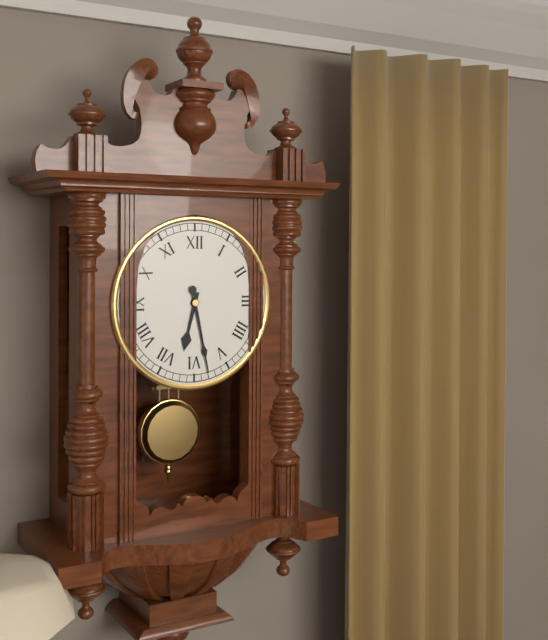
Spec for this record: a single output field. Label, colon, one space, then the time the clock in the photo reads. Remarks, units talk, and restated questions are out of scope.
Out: 6:28
